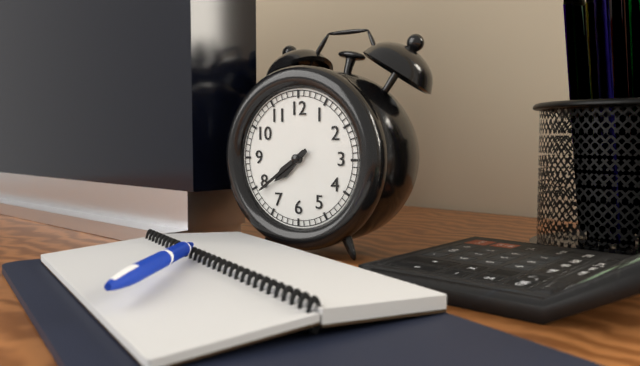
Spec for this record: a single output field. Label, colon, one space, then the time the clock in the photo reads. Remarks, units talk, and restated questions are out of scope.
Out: 7:39
